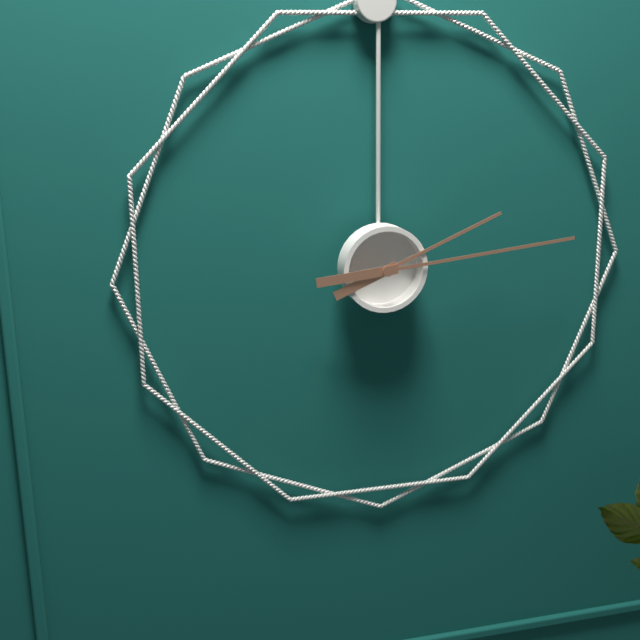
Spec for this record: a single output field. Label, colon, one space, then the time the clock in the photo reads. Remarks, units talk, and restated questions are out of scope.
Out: 2:14
